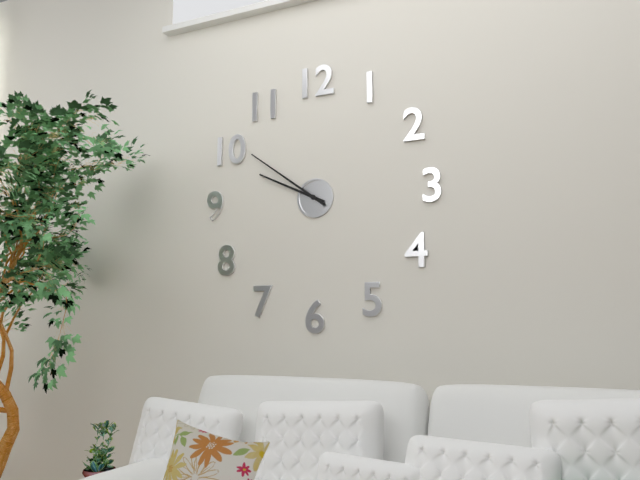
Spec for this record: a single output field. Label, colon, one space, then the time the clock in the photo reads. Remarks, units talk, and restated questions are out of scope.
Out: 9:51
